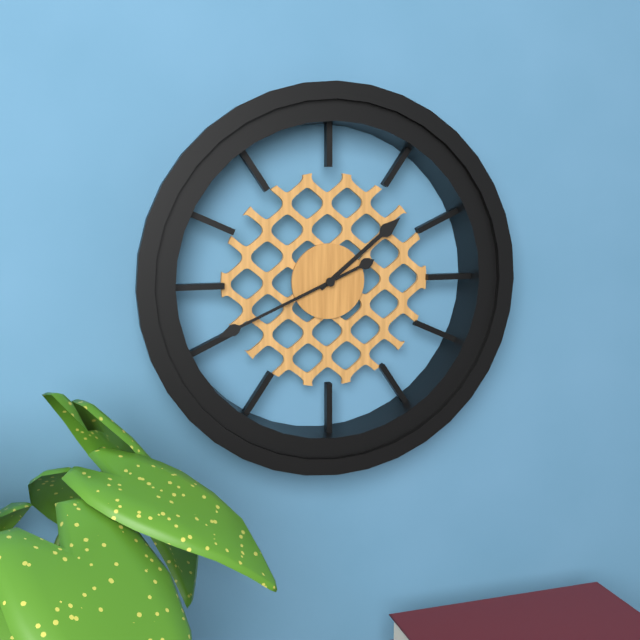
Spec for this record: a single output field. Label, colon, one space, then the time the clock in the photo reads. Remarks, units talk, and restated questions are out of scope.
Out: 1:41
